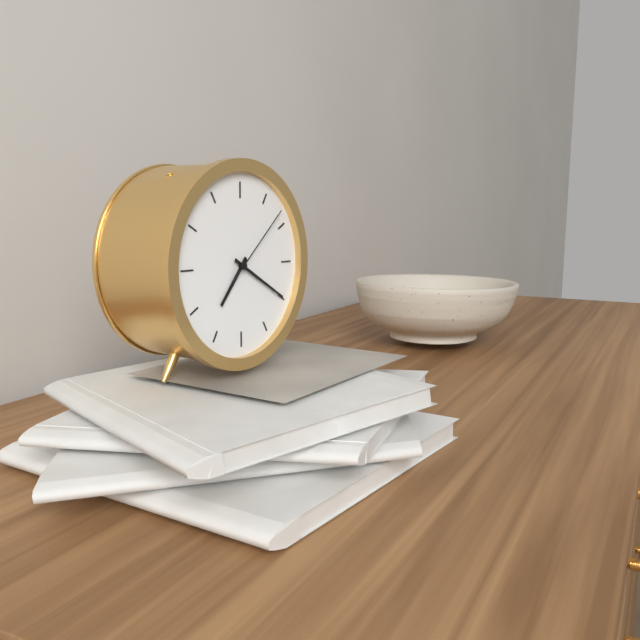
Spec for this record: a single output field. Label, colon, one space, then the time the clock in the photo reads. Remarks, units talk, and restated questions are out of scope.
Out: 7:20:08
